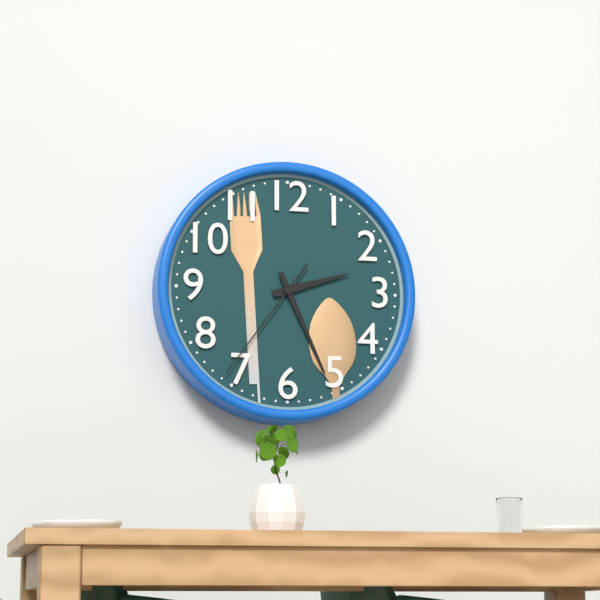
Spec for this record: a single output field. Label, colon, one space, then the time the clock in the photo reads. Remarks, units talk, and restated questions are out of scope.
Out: 2:26:36
